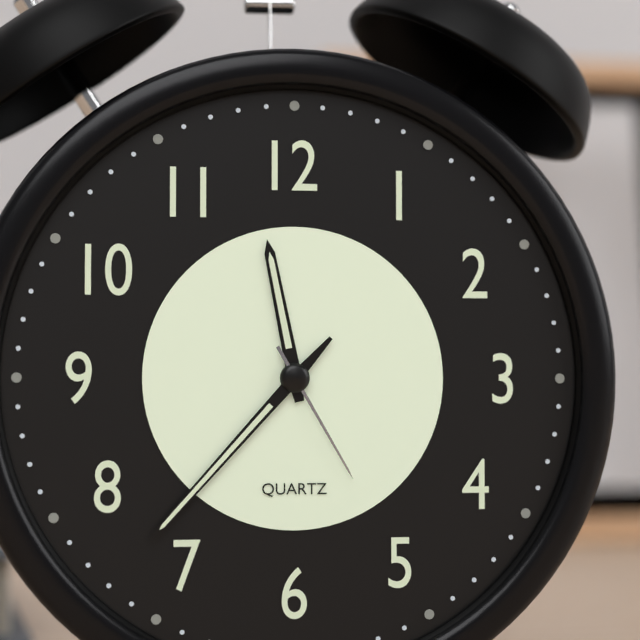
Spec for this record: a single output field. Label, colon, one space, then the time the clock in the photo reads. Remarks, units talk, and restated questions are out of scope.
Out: 11:37:25
